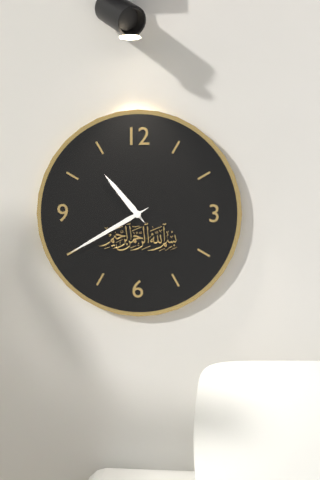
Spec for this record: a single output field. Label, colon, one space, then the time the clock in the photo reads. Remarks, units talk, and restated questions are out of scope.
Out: 10:40
